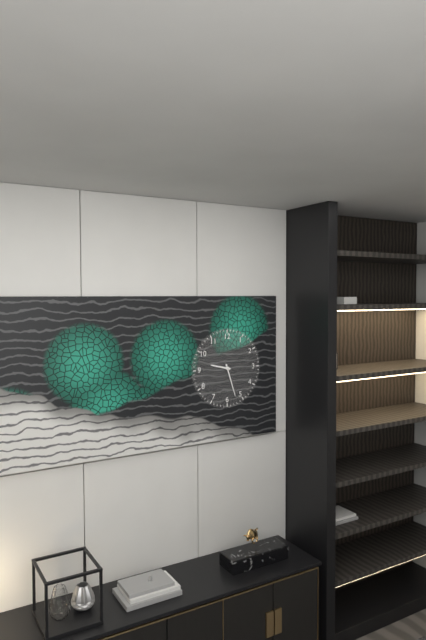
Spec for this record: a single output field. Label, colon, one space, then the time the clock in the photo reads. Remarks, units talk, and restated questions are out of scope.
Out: 9:27
